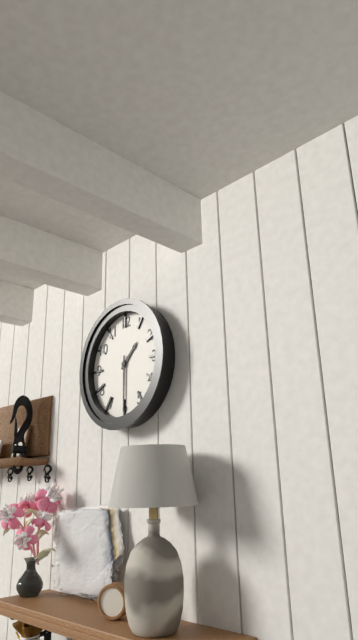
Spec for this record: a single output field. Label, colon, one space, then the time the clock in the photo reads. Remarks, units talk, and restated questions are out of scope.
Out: 1:30
